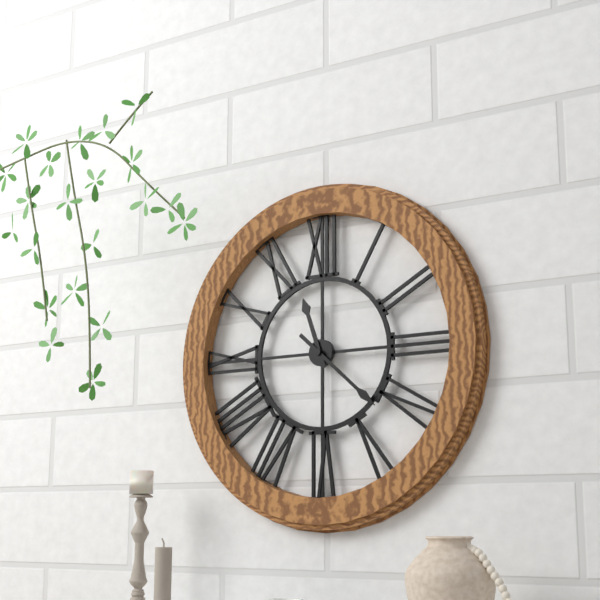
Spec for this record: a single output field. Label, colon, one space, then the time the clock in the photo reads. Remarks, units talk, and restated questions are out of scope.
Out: 11:22
